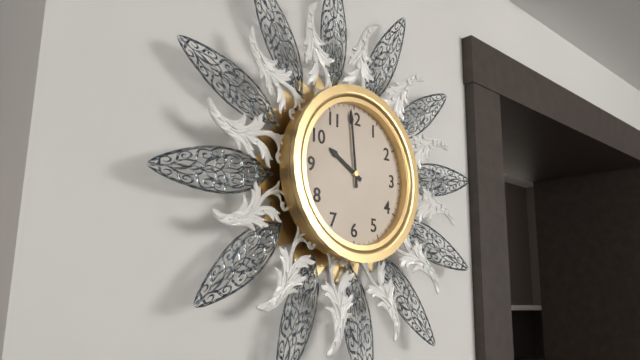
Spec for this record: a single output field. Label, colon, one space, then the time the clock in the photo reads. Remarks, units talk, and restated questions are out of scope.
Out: 9:59
